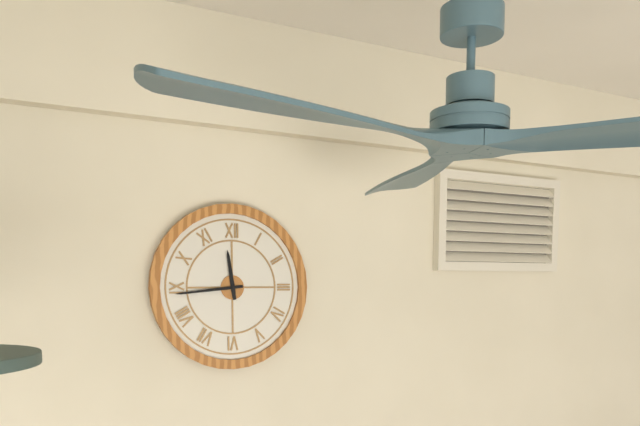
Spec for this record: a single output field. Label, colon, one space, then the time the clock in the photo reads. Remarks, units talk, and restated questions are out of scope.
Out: 11:44
